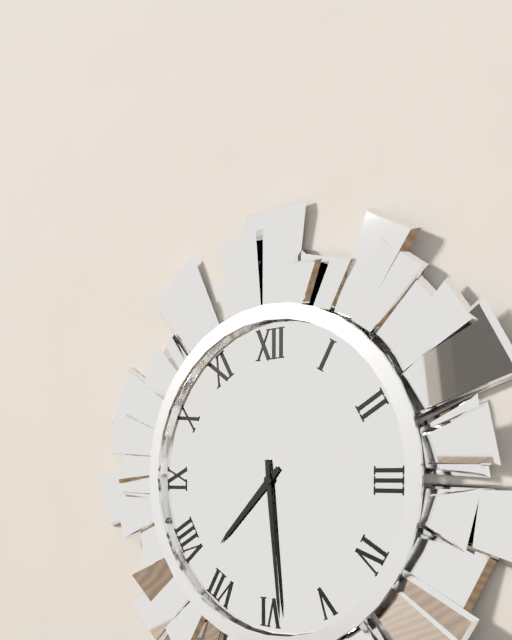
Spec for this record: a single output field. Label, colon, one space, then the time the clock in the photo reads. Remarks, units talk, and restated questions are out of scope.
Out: 7:29
